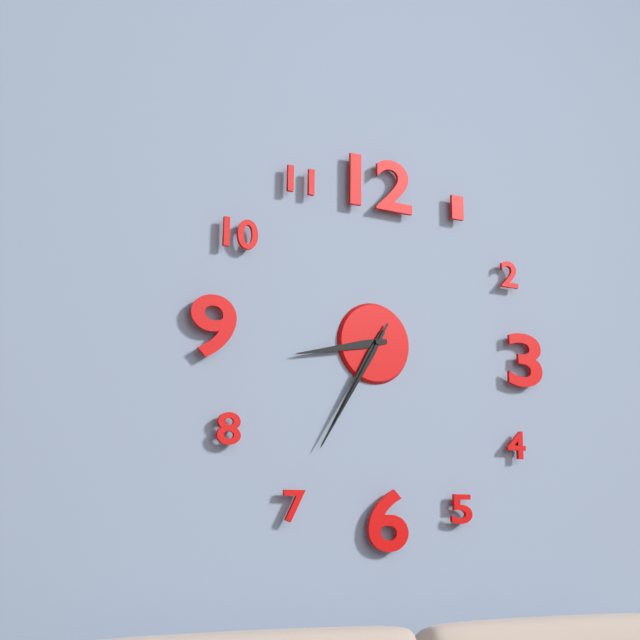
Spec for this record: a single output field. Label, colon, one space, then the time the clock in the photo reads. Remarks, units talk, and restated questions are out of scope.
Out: 8:35:35
